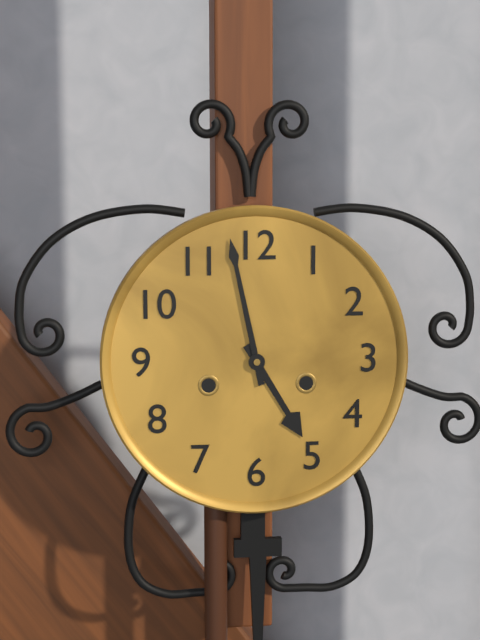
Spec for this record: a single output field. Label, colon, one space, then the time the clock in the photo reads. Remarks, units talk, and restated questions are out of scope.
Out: 4:58
